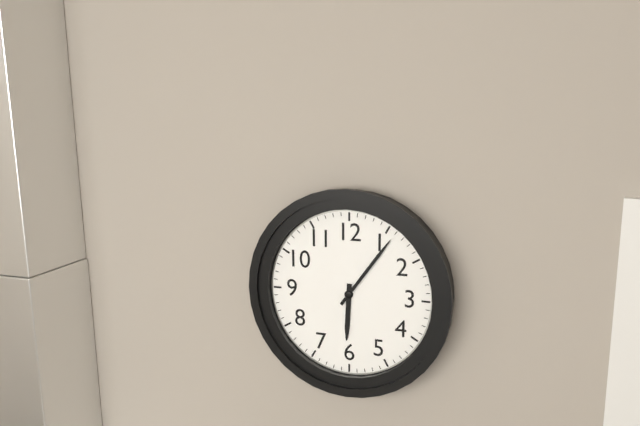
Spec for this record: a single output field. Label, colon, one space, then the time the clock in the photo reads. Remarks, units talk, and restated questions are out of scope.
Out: 6:06
